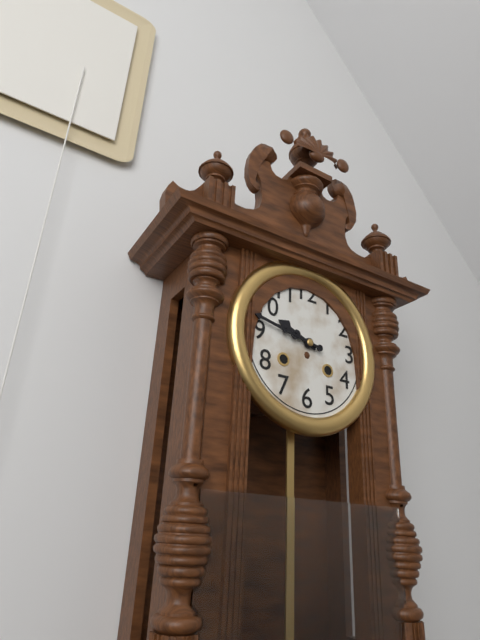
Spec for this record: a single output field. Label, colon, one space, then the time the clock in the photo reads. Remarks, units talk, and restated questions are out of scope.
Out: 9:47
